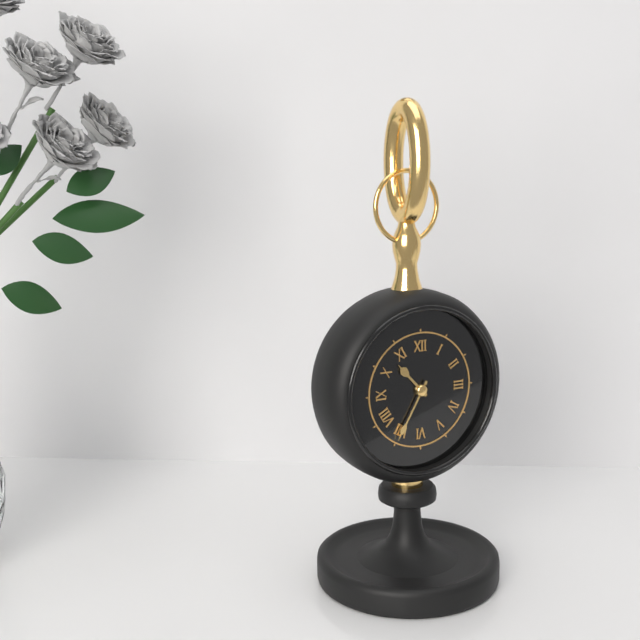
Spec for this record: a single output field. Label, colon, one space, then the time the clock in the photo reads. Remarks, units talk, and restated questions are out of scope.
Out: 10:35
